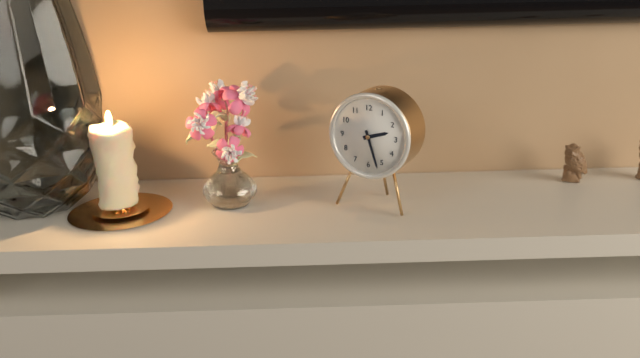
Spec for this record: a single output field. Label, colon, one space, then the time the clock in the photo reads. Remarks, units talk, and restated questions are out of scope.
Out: 2:27
